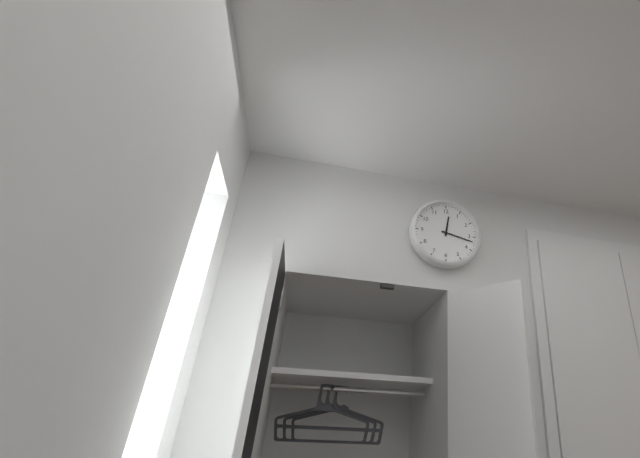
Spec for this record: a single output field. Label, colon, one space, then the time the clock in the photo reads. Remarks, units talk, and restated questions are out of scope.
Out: 12:17
